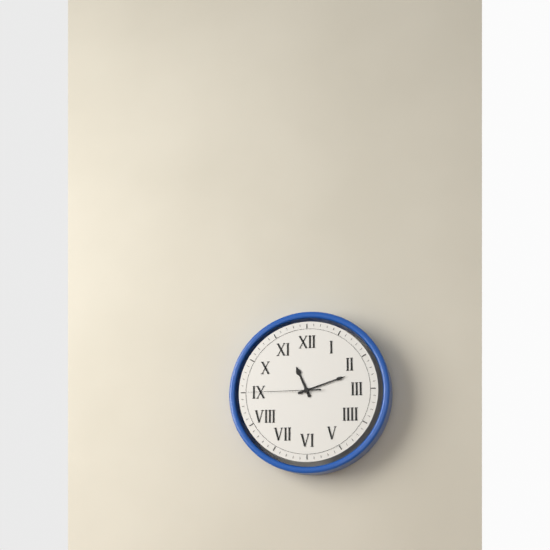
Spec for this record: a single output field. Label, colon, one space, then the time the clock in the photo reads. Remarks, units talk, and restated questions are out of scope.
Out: 11:12:45
